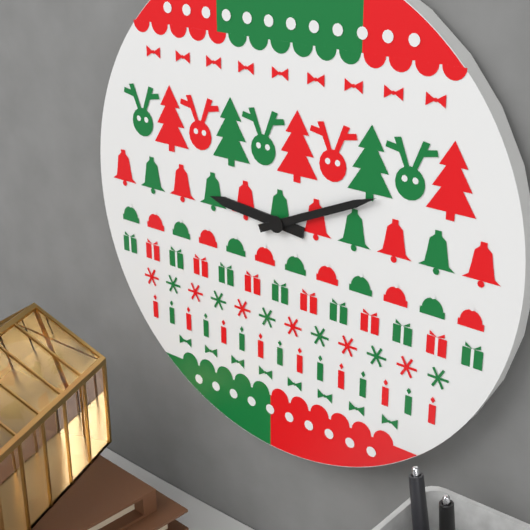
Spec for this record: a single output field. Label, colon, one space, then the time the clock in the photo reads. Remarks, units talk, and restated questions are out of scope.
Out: 9:11
